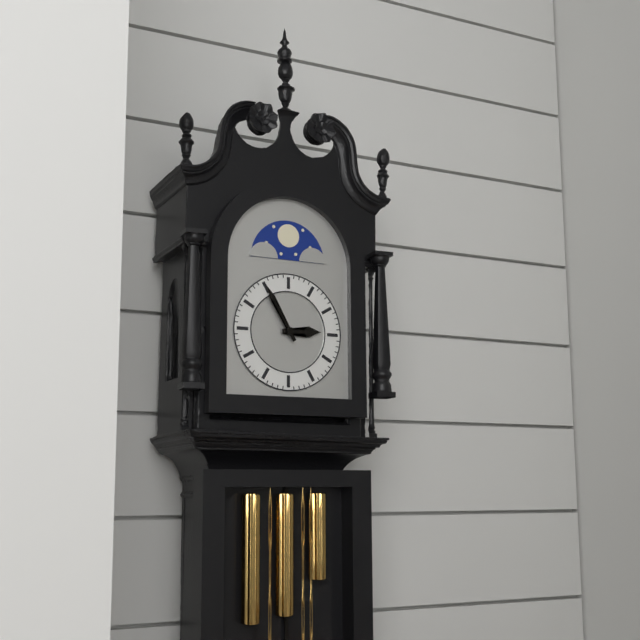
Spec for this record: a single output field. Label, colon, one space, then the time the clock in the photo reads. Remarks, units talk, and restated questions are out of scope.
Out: 2:55
